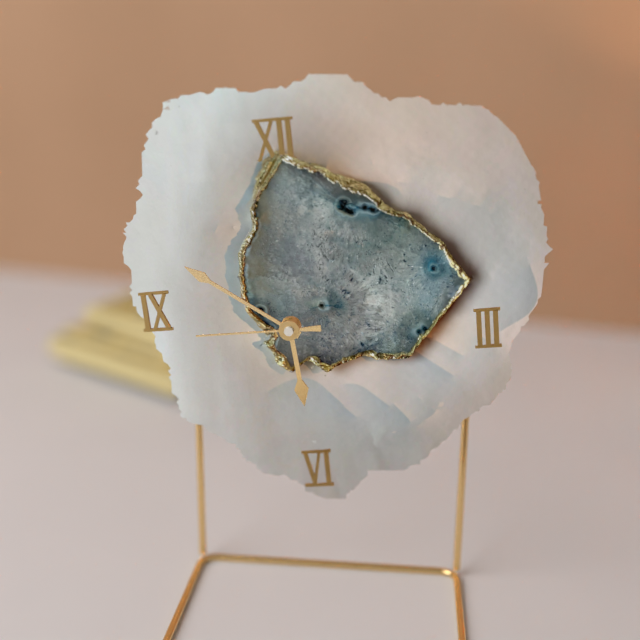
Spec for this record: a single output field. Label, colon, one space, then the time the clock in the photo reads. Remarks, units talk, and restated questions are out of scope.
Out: 5:51:45
